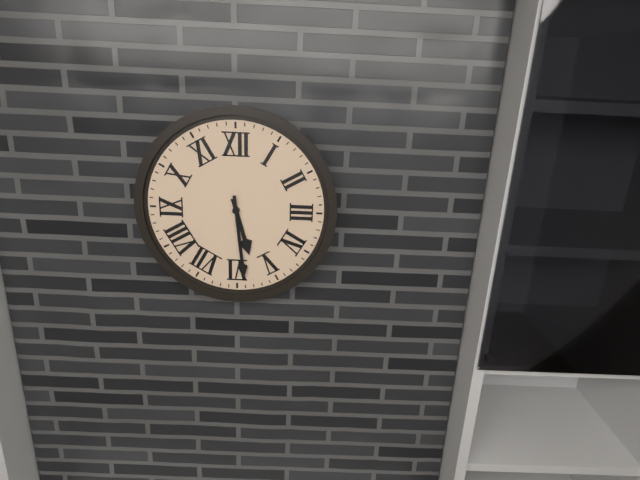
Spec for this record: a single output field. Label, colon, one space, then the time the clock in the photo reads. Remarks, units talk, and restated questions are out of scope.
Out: 5:29
